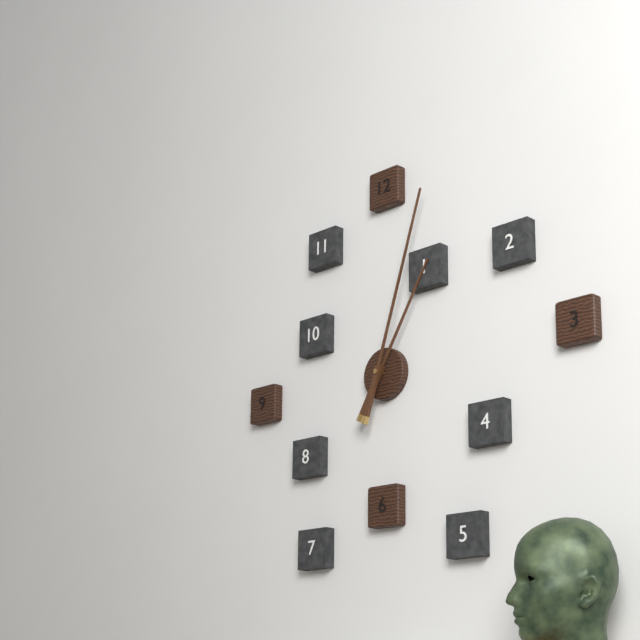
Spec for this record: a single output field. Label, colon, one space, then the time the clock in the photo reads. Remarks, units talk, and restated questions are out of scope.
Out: 1:03
